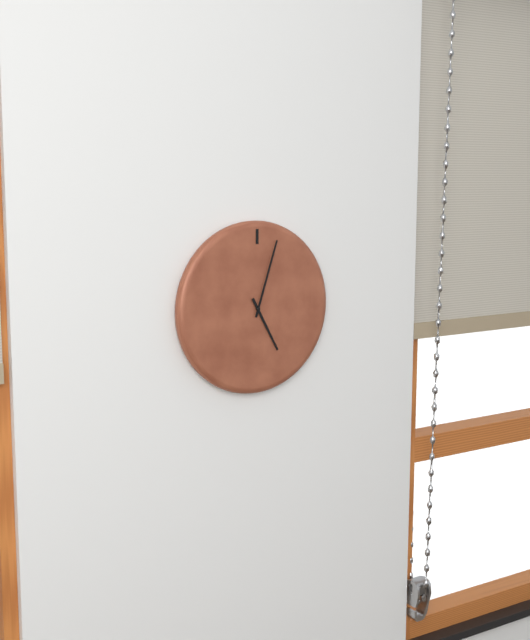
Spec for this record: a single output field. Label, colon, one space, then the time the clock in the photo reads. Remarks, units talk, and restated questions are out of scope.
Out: 5:03
